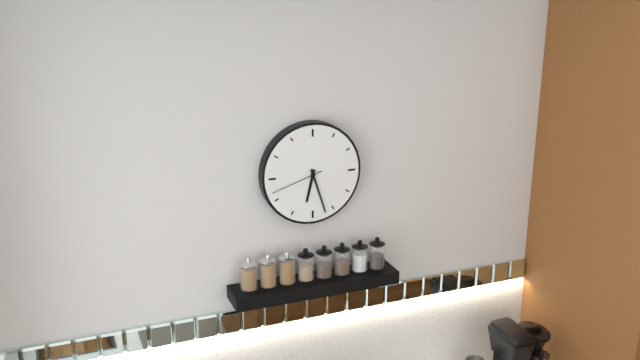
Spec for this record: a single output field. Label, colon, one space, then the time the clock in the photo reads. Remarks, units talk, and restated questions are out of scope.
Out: 6:27:42
